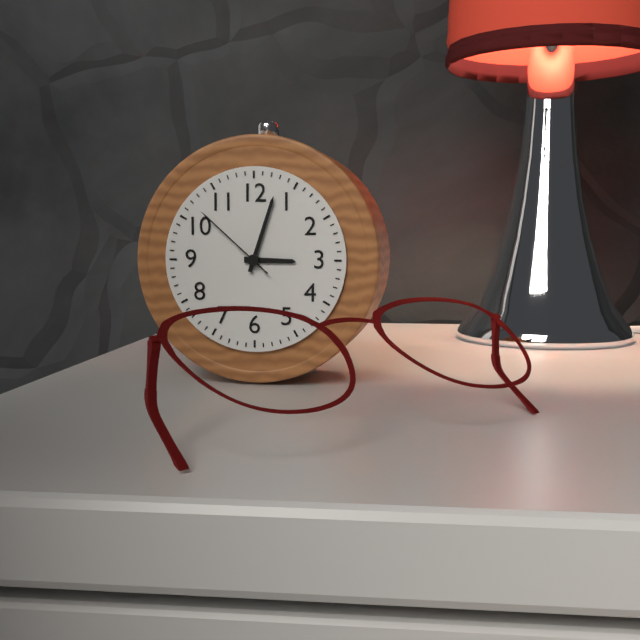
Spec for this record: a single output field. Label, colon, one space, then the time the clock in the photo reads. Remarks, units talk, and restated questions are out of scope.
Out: 3:03:52
